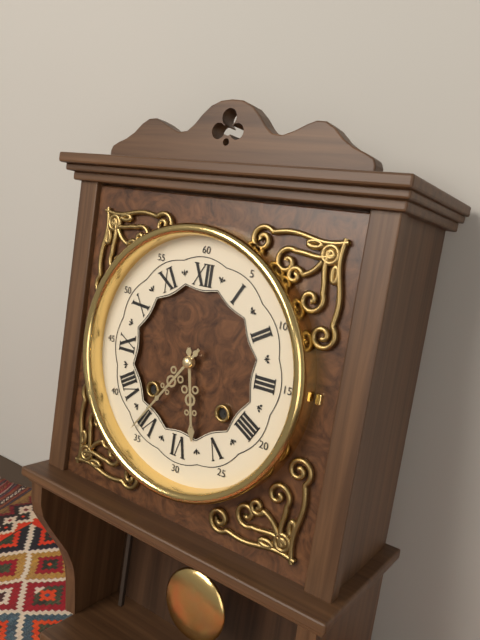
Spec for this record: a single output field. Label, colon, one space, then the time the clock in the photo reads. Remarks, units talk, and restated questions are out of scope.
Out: 5:36
